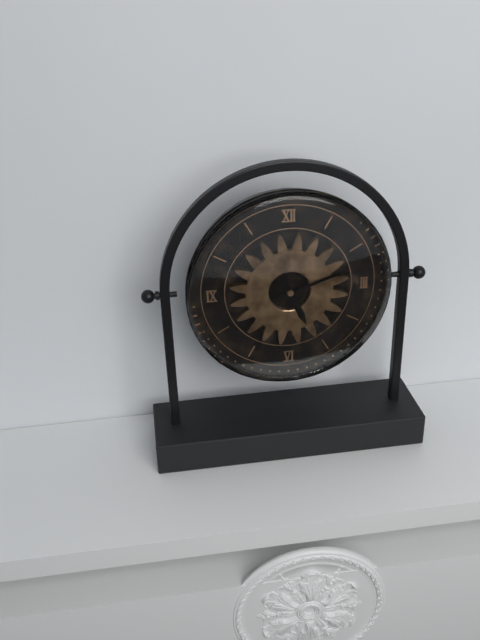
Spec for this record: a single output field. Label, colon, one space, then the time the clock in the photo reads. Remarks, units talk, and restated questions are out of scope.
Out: 5:12
